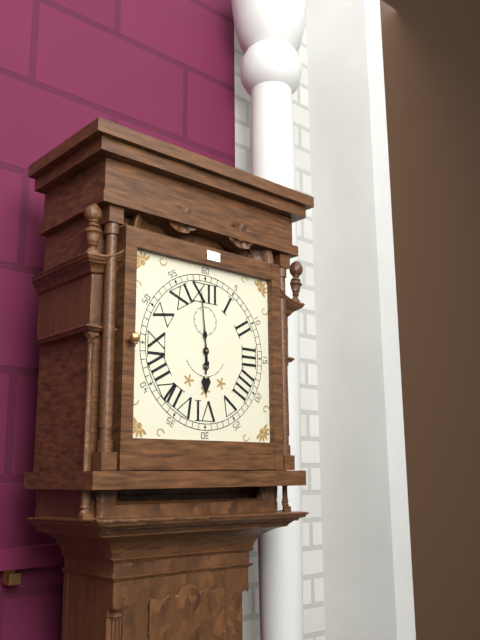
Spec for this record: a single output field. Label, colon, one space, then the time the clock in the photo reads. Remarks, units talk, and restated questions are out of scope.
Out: 5:59
